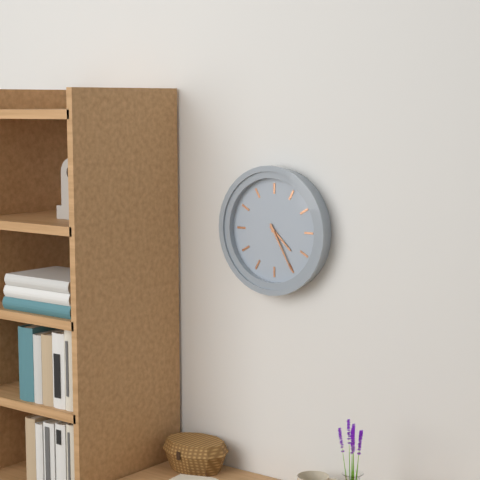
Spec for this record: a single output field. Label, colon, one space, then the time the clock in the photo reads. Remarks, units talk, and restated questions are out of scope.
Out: 4:25
